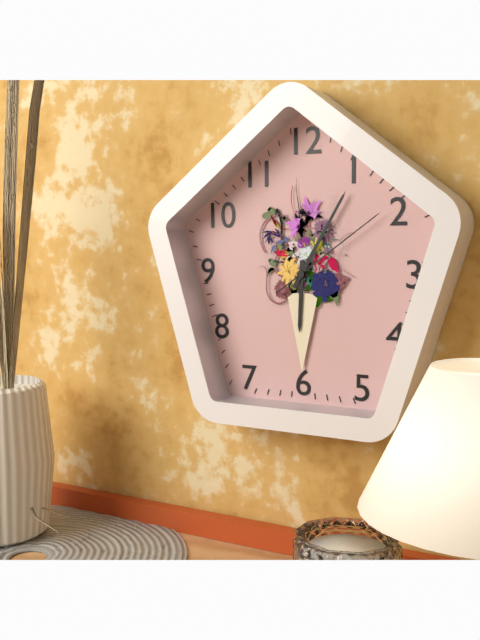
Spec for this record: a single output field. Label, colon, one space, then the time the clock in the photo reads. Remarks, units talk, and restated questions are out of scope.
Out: 6:05:09
